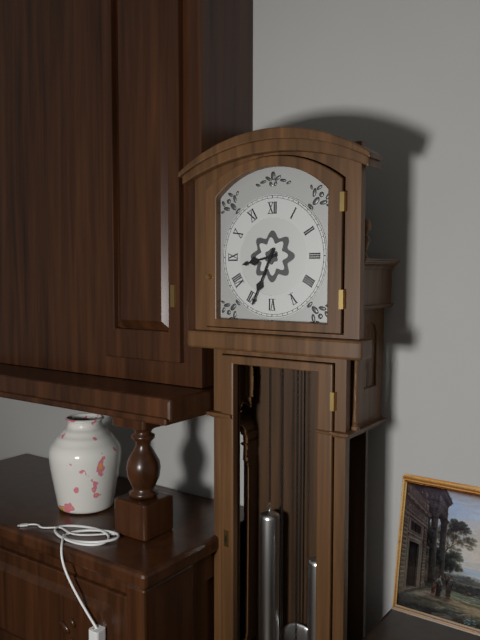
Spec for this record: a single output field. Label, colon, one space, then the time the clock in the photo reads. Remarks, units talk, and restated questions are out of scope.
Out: 8:34
